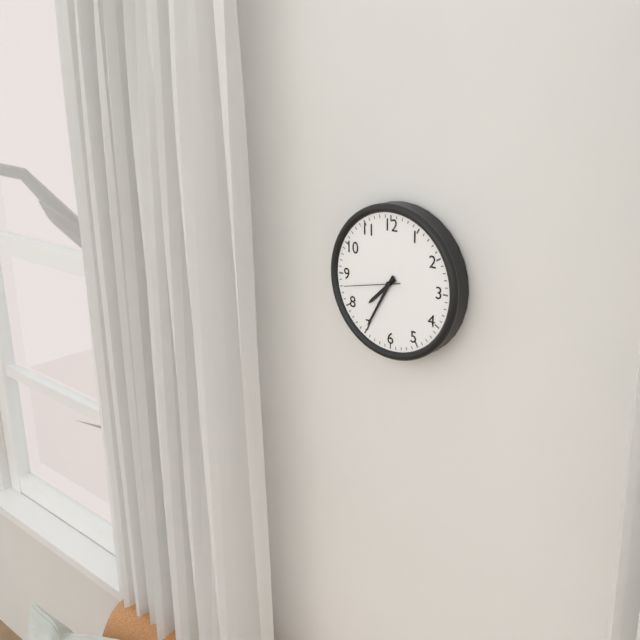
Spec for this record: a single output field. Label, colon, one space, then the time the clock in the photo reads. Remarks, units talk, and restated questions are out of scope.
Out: 7:35:43
